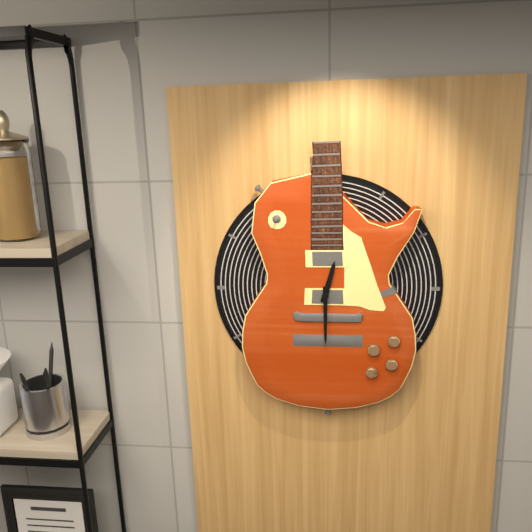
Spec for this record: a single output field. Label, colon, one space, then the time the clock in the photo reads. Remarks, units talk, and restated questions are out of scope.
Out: 12:30
